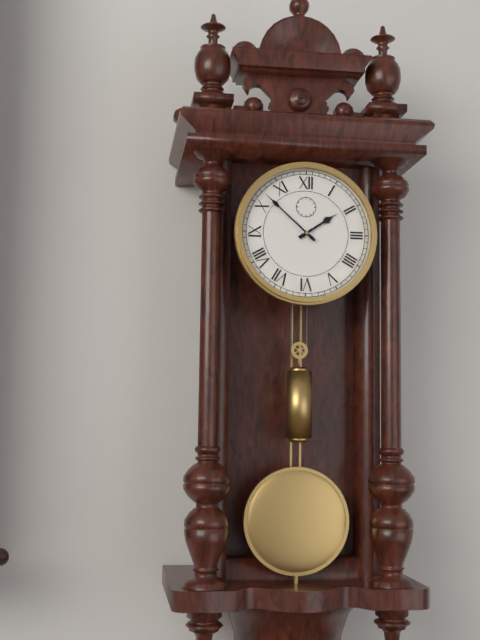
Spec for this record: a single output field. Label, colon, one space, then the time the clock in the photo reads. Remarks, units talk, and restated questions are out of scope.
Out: 1:52
